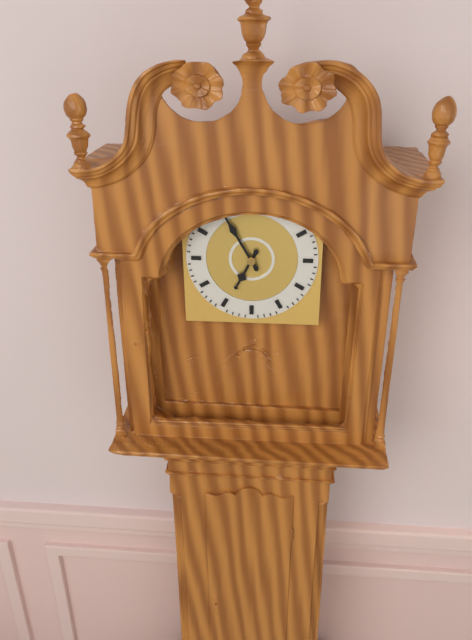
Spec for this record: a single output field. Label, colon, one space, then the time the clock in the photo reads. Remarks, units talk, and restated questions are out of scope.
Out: 6:55
